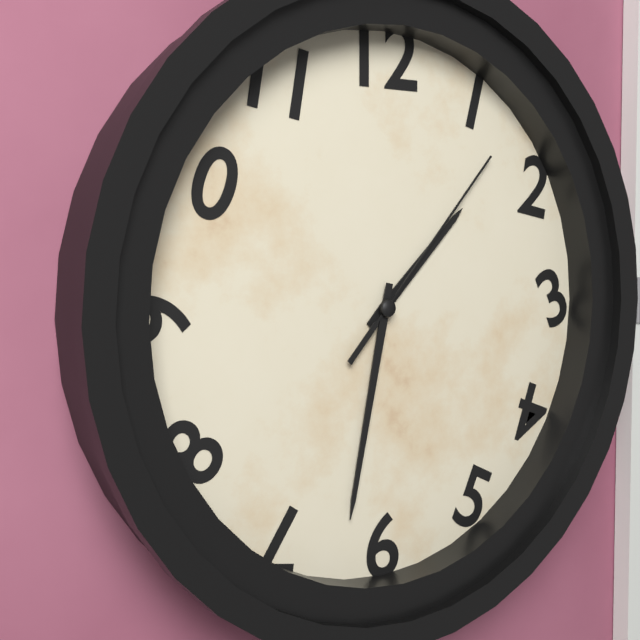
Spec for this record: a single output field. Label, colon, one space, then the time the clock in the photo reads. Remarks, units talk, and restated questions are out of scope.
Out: 1:32:07
